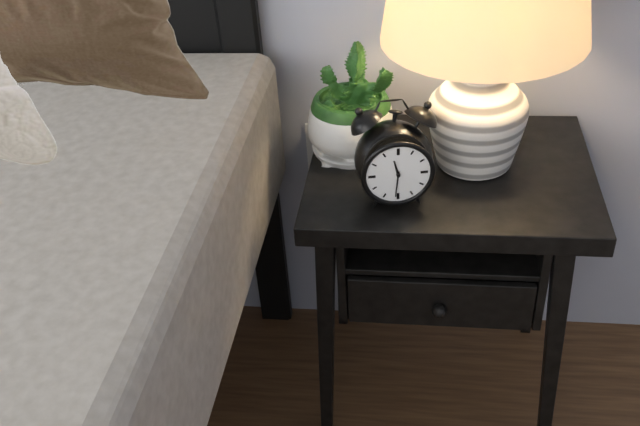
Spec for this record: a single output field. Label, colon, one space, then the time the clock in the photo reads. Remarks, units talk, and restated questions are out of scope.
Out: 11:31
